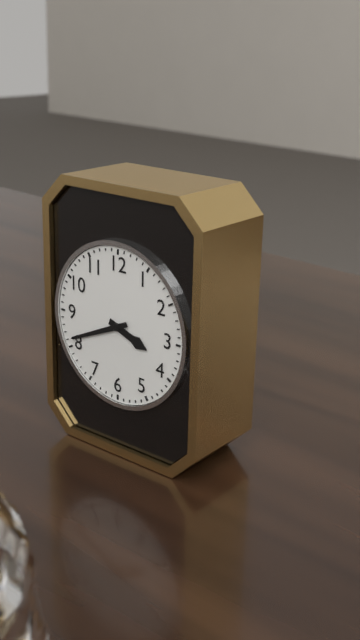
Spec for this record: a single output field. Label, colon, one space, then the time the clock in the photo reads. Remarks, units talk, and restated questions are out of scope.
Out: 3:41
